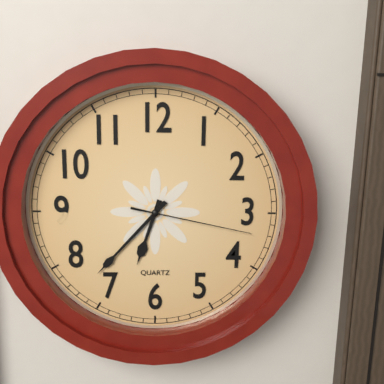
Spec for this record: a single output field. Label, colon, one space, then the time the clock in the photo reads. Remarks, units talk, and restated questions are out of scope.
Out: 6:37:17
